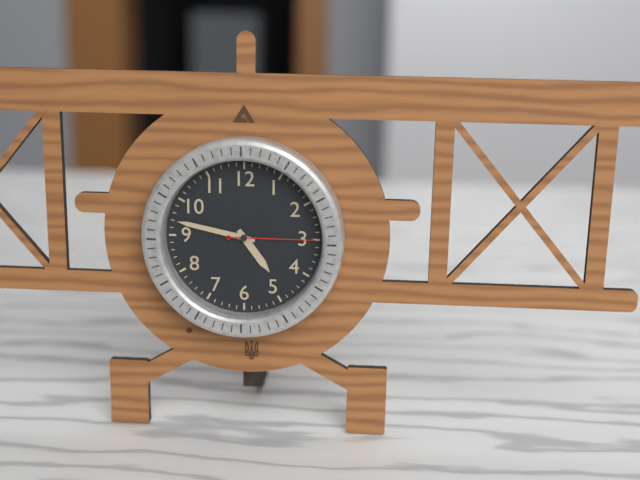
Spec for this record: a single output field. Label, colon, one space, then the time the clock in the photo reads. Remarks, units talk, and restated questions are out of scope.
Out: 4:47:15
